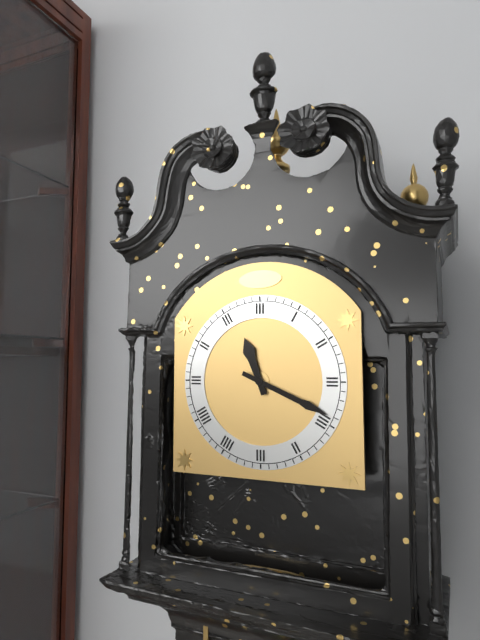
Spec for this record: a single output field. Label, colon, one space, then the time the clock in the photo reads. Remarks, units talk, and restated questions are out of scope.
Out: 11:19
